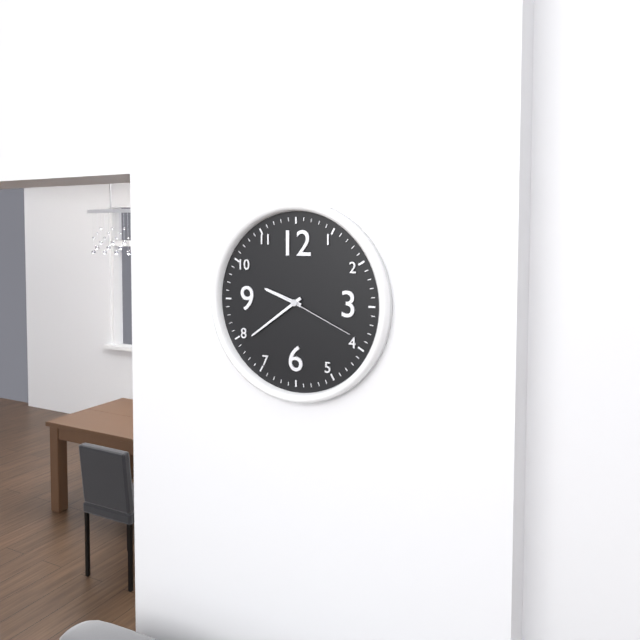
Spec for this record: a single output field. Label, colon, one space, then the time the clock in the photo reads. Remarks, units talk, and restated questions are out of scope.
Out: 9:39:19
